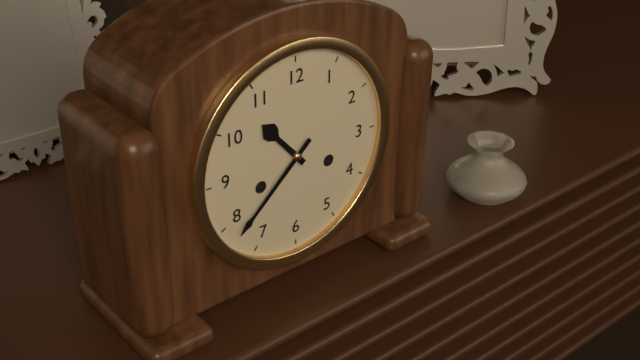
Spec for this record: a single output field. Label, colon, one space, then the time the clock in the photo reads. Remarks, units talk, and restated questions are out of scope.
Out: 10:38
